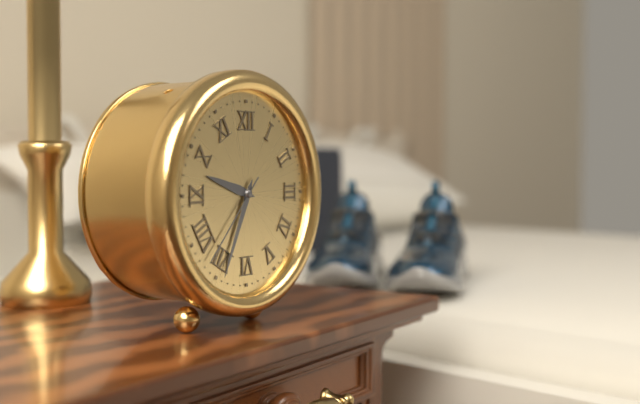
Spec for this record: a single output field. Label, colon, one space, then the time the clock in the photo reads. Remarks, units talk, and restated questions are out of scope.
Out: 9:34:37
